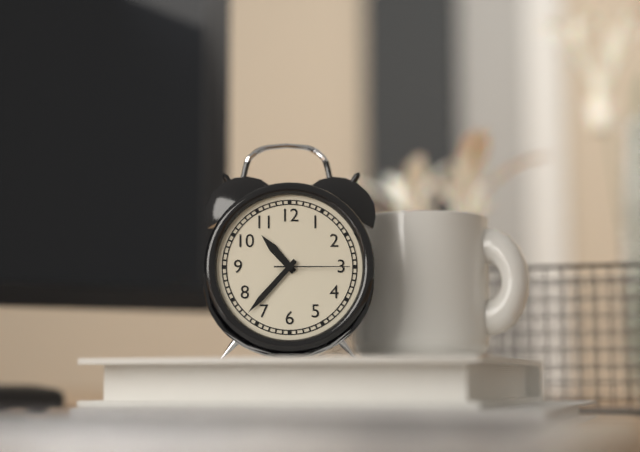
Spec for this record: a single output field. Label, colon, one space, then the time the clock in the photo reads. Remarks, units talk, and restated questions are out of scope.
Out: 10:37:15
